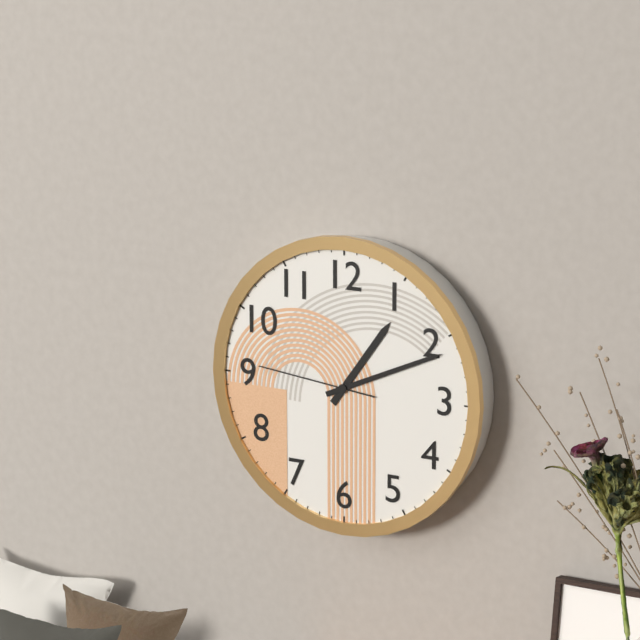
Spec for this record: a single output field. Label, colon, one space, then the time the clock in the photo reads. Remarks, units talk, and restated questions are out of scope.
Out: 1:11:46
